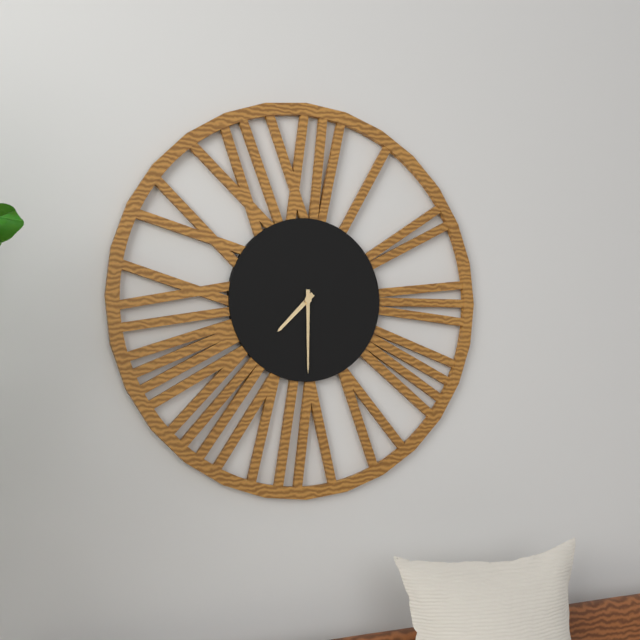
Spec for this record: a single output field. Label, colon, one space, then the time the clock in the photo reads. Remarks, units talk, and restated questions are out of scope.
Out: 7:30
